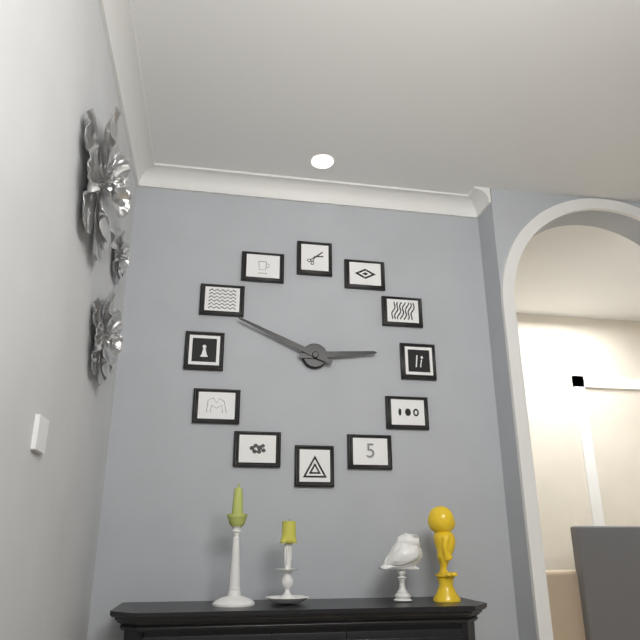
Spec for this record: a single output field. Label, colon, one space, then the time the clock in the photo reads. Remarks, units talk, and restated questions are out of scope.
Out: 2:49
